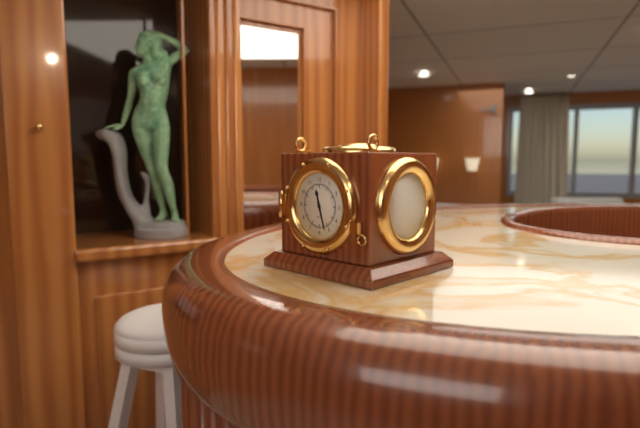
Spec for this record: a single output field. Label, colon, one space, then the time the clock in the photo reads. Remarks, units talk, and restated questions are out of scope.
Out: 11:27
